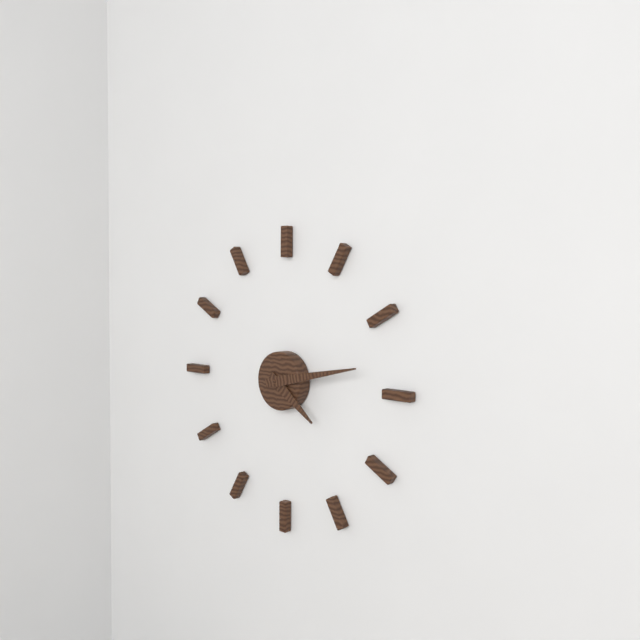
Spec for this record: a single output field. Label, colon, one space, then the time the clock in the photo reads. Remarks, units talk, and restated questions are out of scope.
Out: 4:13
